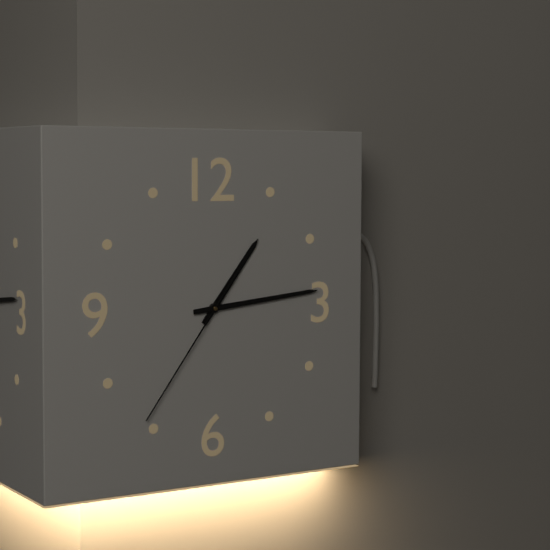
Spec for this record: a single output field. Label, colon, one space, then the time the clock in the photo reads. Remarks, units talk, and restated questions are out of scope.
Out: 1:14:36
